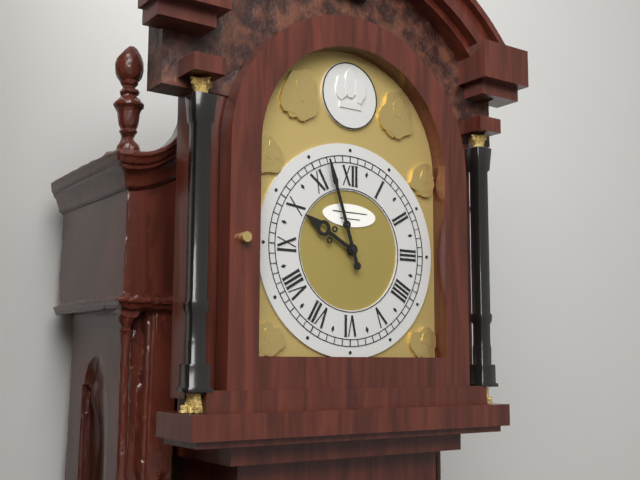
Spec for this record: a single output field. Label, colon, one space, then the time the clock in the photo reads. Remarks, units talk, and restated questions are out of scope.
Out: 9:57
